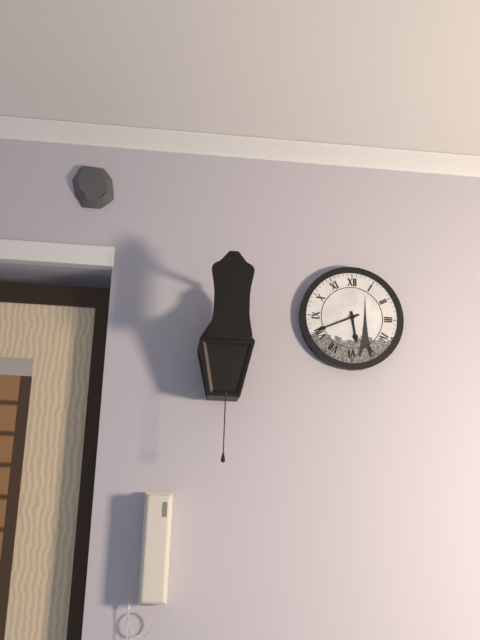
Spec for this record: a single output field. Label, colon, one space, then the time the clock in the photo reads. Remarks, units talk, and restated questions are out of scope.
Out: 5:41
